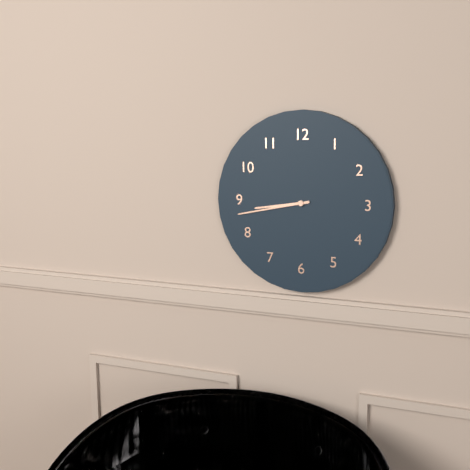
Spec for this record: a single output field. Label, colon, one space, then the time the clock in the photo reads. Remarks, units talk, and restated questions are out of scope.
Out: 8:43
